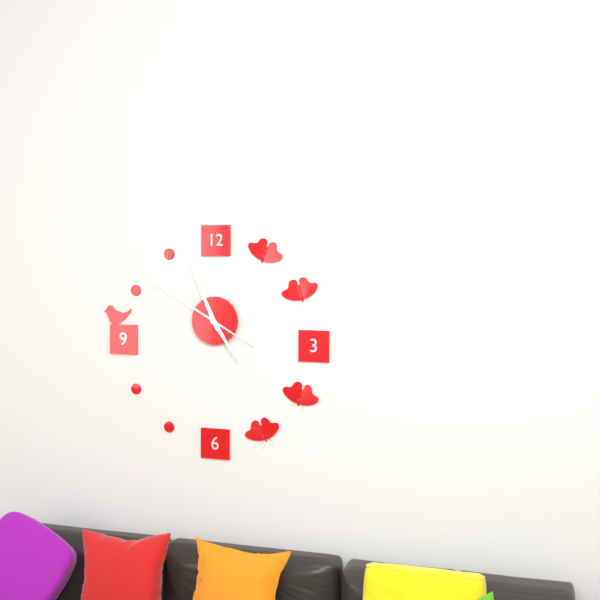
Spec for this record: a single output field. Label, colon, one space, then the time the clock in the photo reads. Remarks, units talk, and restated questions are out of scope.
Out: 4:56:50
